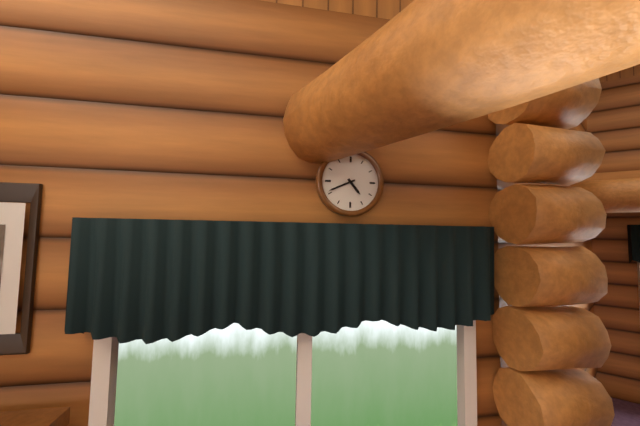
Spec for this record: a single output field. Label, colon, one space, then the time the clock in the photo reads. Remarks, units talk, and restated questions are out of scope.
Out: 4:41
